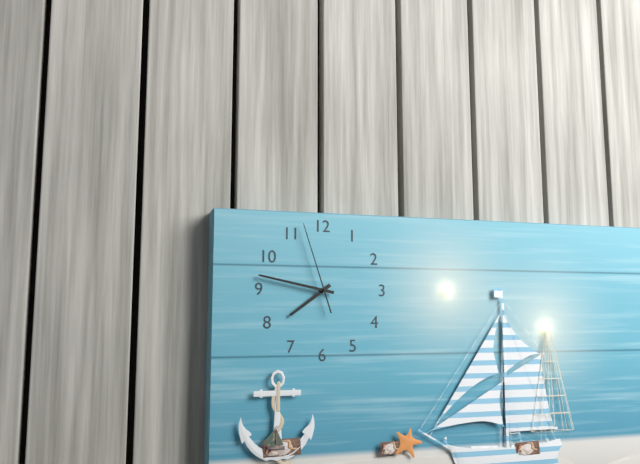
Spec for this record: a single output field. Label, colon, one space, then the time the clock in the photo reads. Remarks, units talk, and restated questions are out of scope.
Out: 7:47:57
